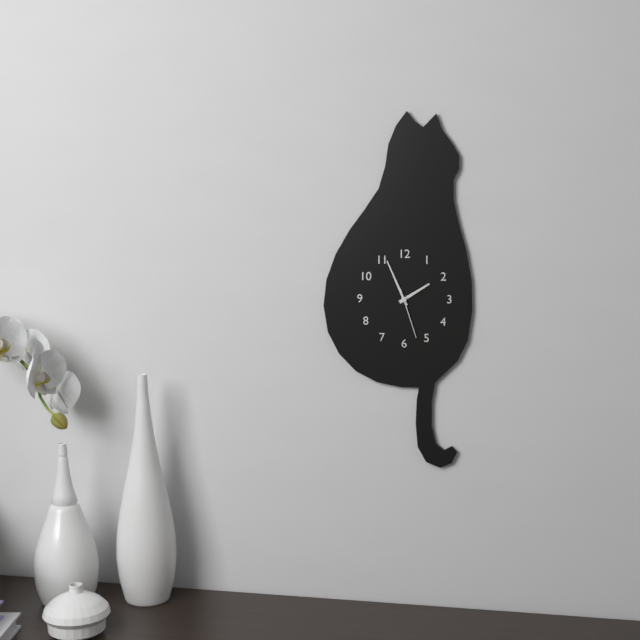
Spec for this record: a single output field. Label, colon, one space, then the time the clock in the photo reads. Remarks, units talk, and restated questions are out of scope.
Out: 1:56:27
